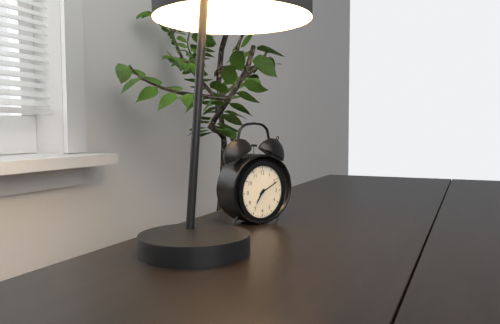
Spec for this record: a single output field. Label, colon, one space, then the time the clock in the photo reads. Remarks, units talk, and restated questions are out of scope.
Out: 7:11
